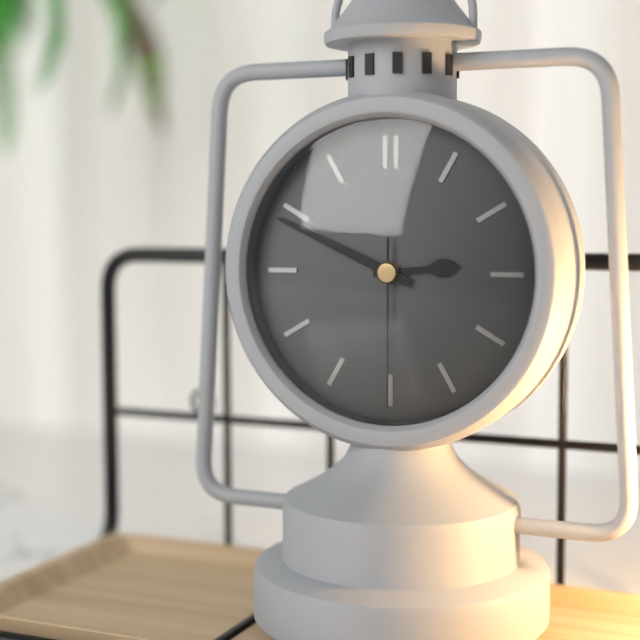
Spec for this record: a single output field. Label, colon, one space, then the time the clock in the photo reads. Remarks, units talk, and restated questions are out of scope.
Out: 2:49:30
